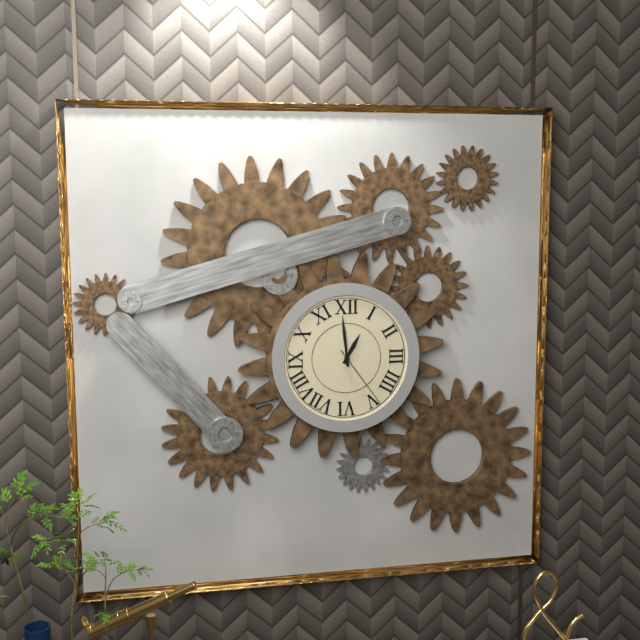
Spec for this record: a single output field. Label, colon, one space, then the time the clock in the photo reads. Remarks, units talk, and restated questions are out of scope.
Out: 12:59:24
